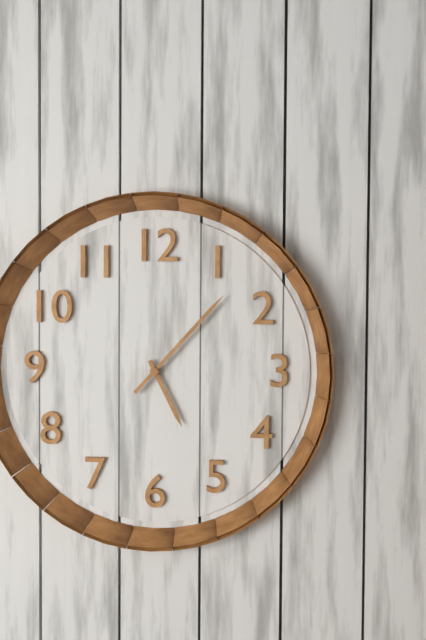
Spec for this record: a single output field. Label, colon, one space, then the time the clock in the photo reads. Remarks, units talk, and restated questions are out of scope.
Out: 5:07
